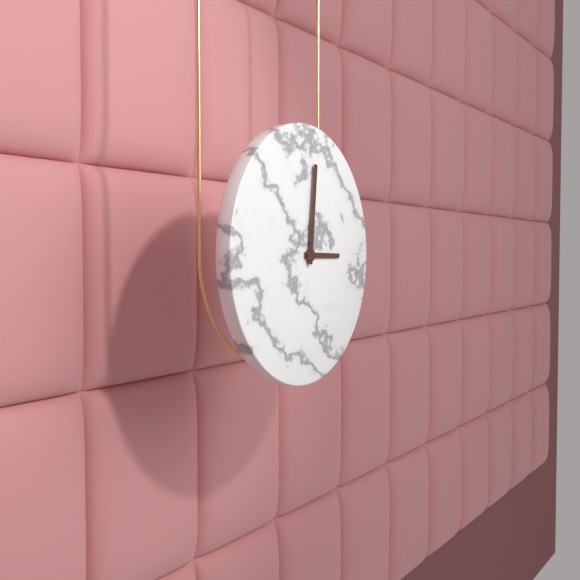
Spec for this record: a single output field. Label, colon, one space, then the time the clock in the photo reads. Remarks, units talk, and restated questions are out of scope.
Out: 3:01
